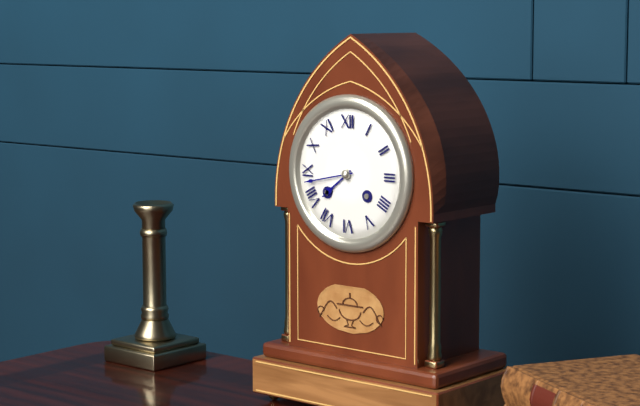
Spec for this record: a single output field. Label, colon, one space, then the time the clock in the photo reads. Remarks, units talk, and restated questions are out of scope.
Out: 7:43
